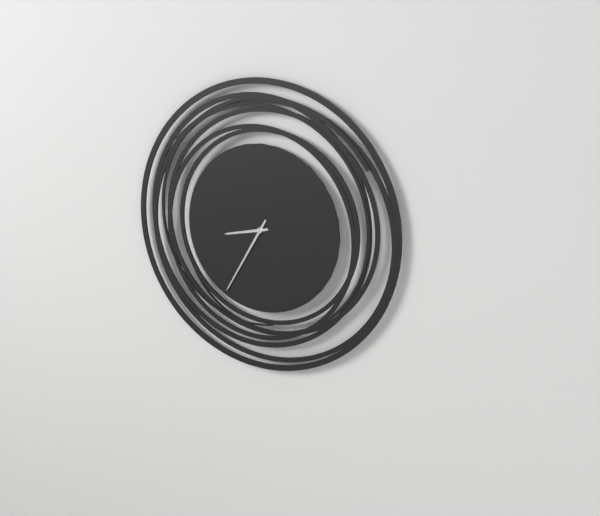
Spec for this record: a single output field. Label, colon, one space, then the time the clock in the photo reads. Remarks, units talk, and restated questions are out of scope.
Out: 8:35
